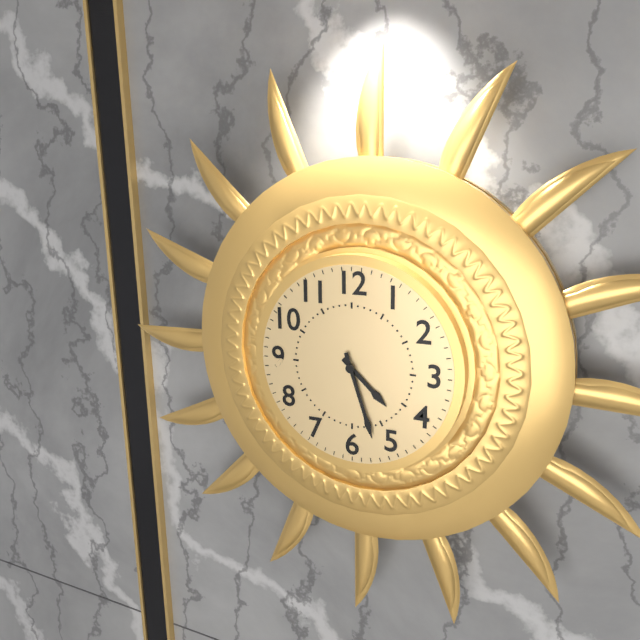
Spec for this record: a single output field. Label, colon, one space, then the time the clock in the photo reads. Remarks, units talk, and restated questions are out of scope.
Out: 4:27
